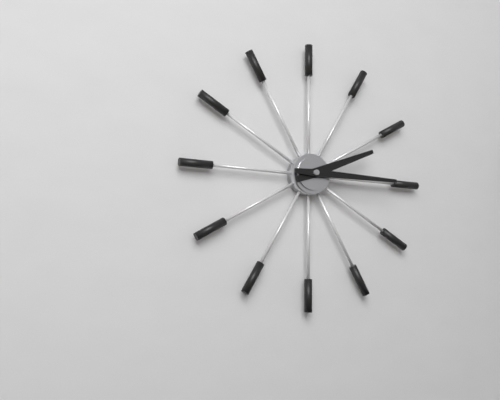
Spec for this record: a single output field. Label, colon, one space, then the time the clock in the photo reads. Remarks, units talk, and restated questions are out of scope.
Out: 2:15
